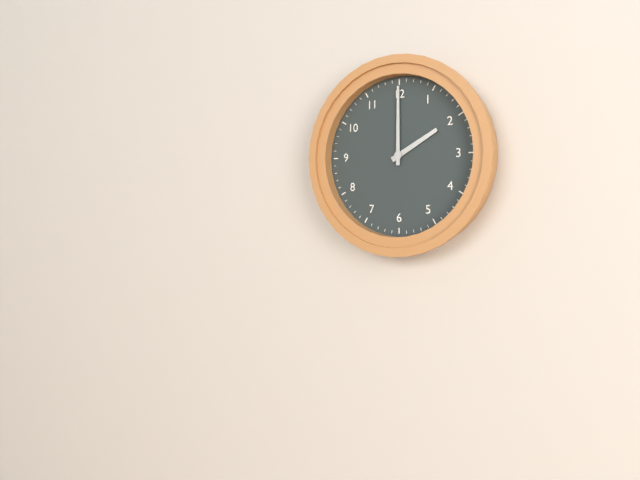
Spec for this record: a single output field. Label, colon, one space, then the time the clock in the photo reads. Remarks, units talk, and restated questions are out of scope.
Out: 2:00
